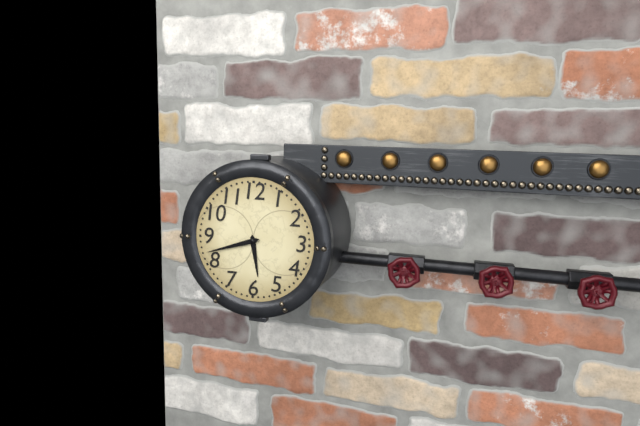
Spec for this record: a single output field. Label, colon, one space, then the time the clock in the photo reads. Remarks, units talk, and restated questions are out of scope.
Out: 5:42
